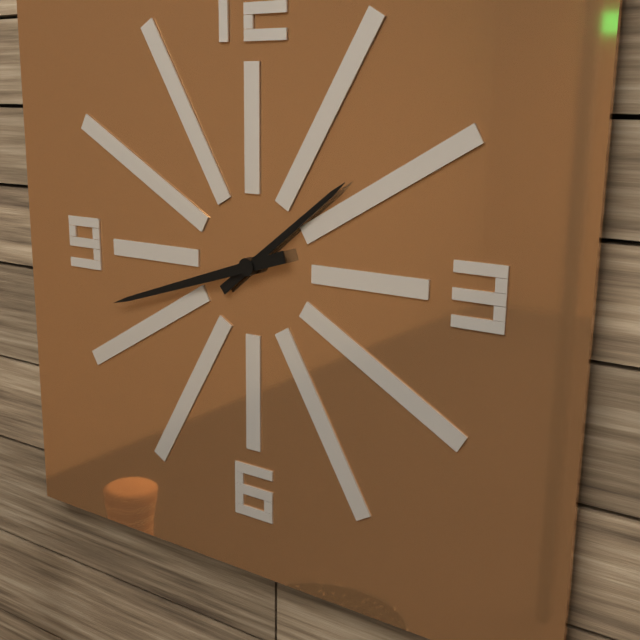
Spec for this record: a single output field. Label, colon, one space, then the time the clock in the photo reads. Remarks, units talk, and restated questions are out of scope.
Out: 1:42
